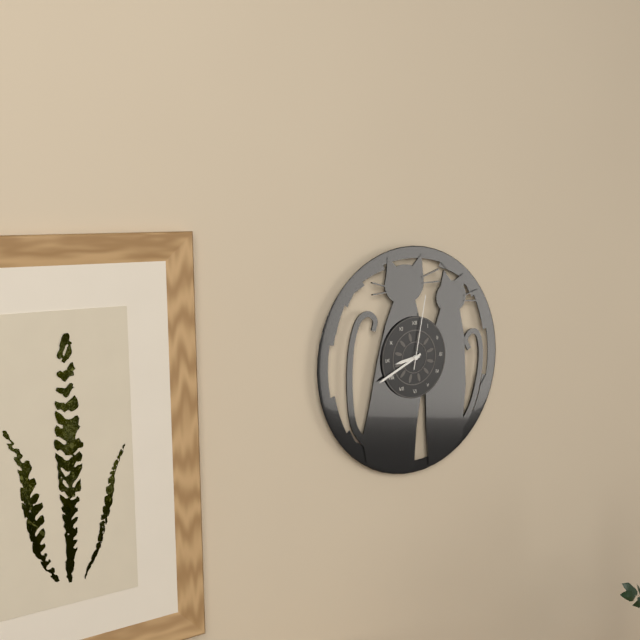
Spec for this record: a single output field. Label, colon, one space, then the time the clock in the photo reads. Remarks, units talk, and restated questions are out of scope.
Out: 8:41:02
